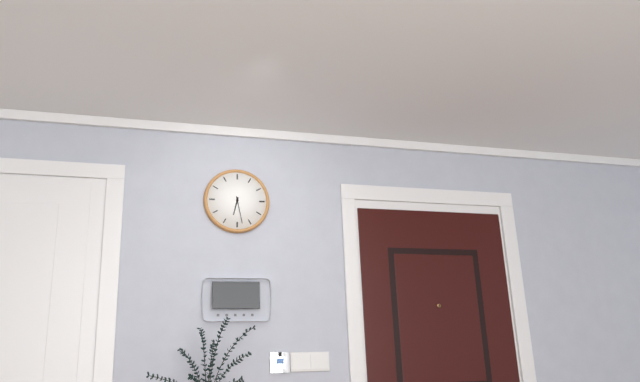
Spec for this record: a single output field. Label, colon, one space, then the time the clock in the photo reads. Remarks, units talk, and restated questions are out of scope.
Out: 6:28
